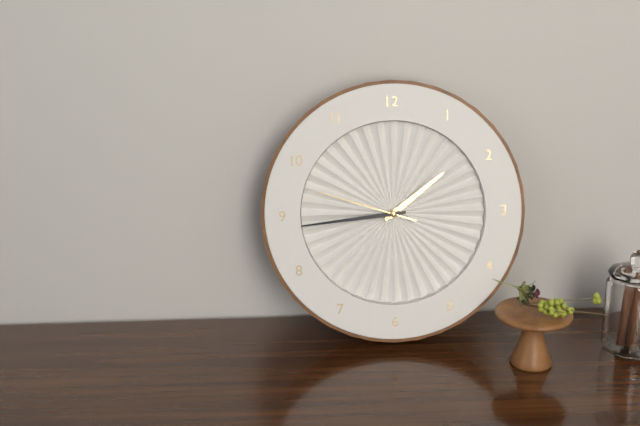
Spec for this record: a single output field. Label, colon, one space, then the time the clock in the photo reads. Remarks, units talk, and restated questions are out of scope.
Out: 1:44:48
